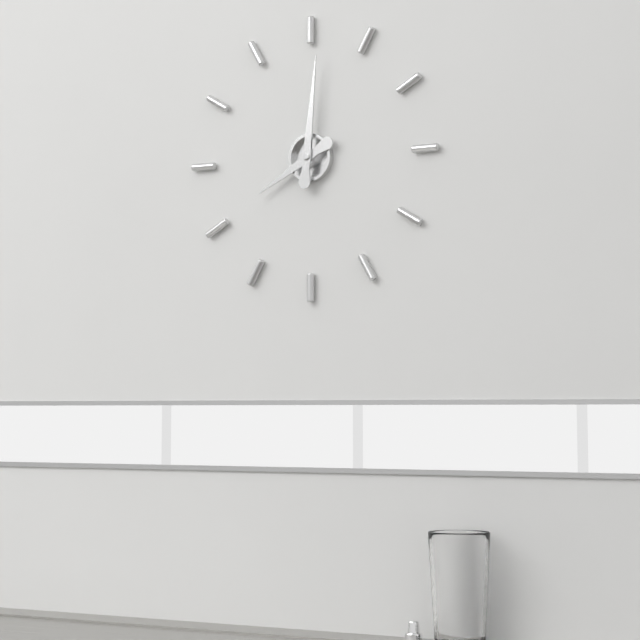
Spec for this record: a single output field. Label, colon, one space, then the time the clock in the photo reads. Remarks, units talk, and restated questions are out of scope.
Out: 8:01
